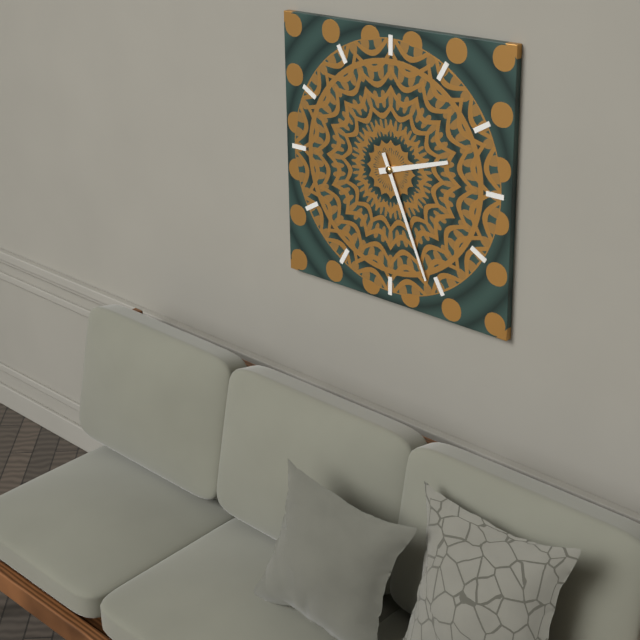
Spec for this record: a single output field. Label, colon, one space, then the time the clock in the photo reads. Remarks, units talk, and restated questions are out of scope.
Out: 2:26
